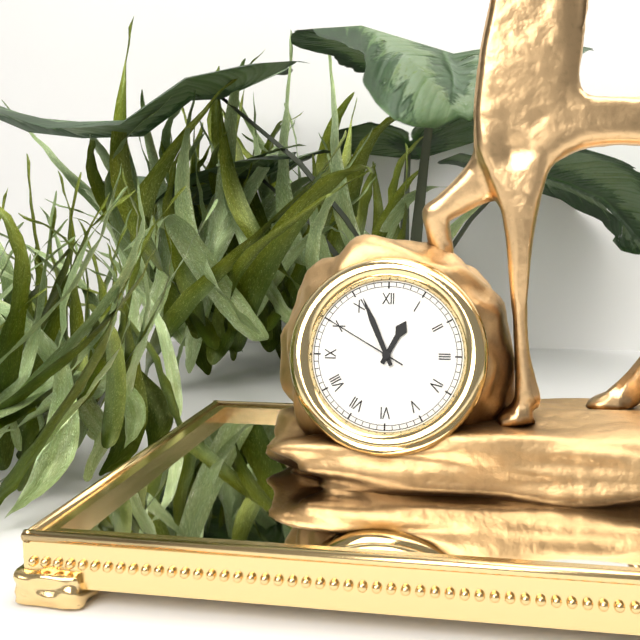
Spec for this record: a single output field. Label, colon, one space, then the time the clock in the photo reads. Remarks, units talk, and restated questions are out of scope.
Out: 12:56:50
